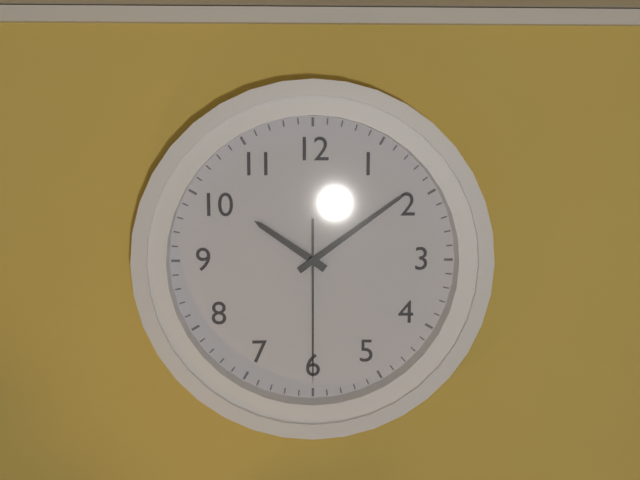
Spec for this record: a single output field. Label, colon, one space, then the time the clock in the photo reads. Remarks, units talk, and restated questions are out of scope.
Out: 10:09:30
